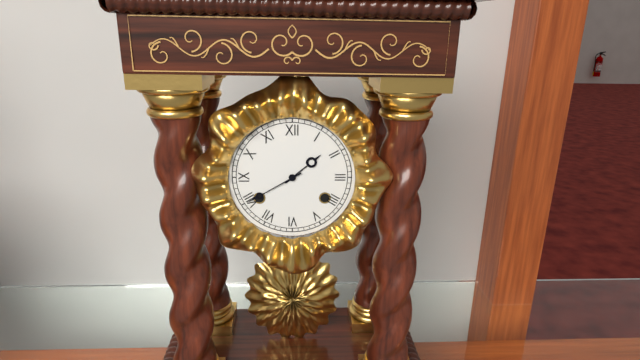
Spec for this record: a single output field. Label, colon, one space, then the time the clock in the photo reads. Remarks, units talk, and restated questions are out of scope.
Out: 1:40
